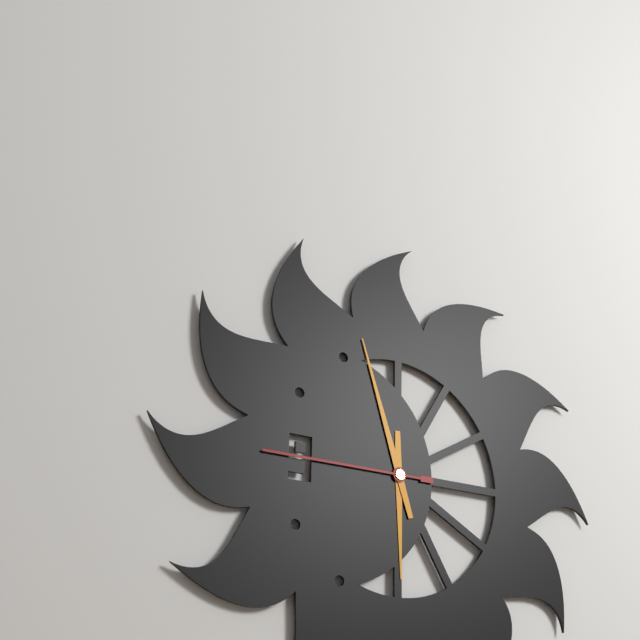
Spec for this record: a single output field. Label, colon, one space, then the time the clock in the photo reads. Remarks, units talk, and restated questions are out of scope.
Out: 5:57:45
